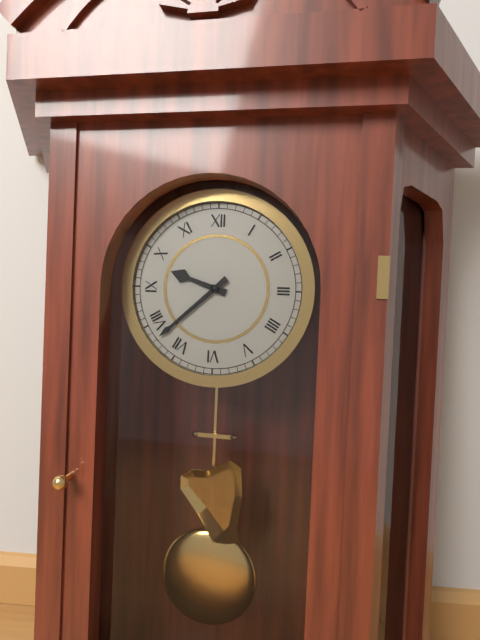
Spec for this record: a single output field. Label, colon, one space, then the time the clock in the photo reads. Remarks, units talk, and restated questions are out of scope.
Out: 9:38
